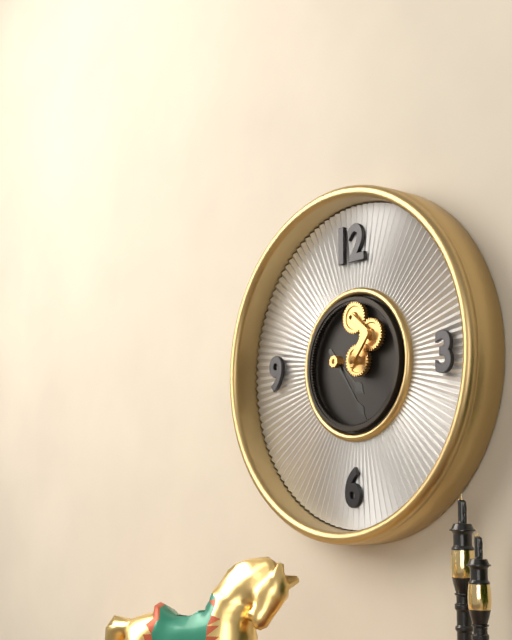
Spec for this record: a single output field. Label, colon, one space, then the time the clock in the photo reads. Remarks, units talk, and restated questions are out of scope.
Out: 4:24
